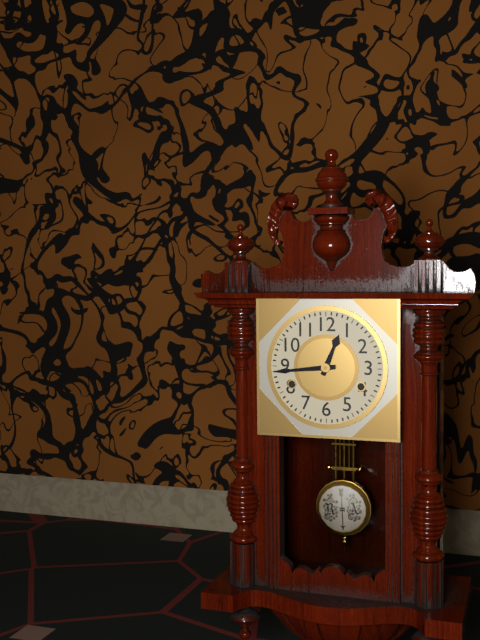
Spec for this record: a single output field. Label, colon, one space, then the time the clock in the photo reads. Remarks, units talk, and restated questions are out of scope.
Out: 12:44
